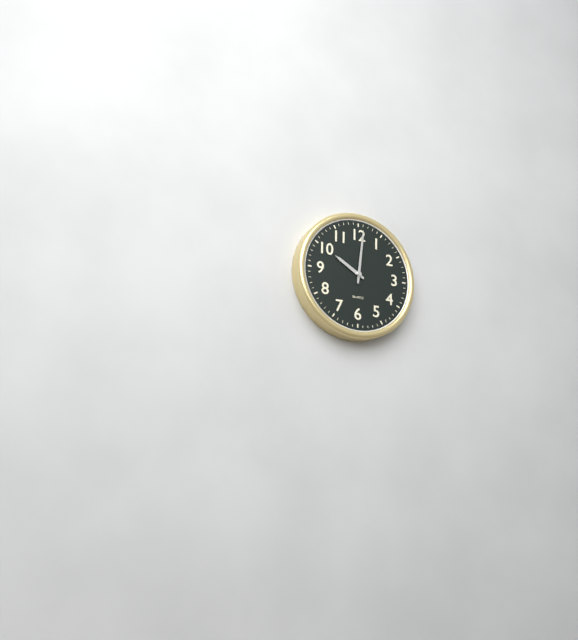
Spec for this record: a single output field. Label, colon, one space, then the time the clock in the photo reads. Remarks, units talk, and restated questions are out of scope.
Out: 10:01
